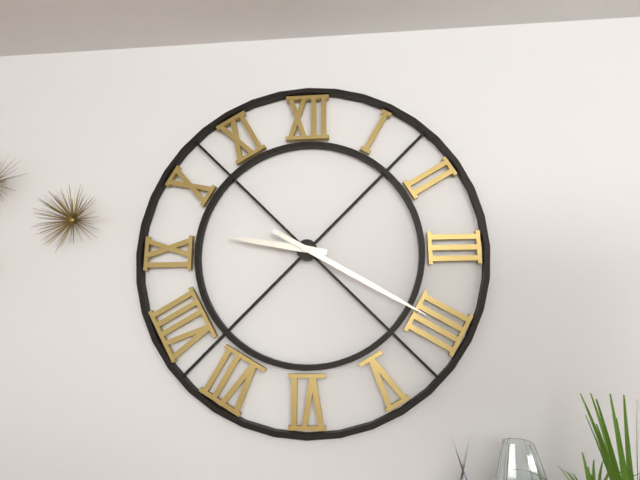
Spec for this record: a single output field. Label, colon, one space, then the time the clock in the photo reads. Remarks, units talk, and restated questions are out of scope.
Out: 9:20
